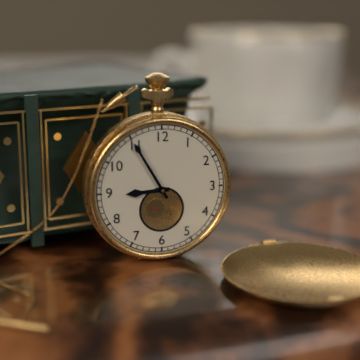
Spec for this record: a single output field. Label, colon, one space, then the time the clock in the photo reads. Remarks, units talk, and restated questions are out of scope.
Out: 8:55
